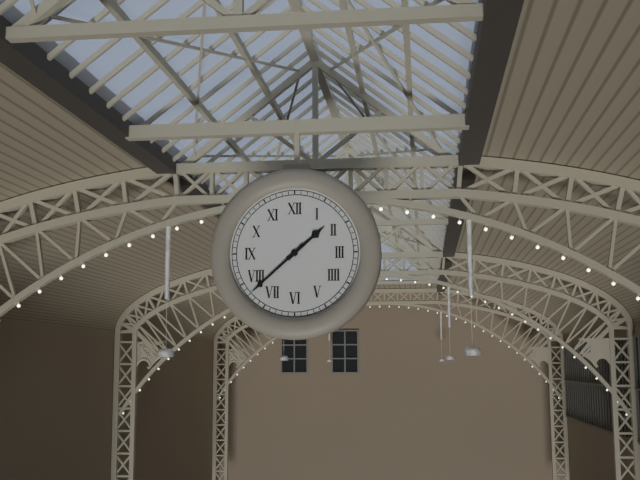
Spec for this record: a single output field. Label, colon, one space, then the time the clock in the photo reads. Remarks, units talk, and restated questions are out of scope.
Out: 1:38
